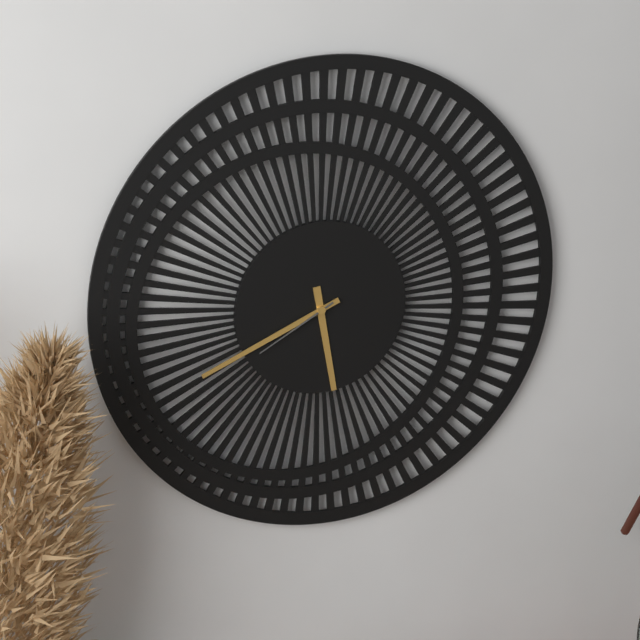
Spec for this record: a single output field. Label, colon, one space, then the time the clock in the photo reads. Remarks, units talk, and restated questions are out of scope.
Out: 5:41:40
